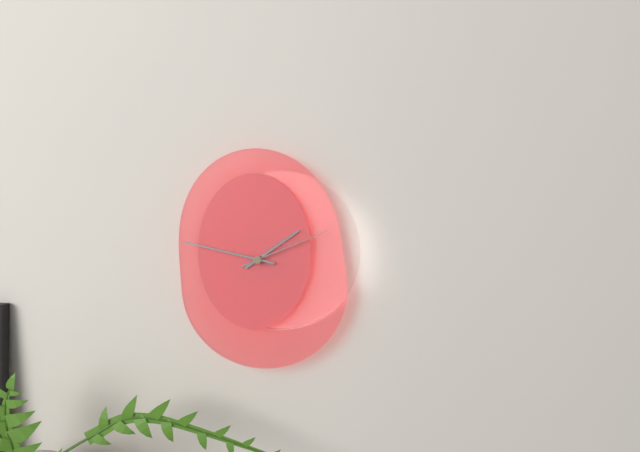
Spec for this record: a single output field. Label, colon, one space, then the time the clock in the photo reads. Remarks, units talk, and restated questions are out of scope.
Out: 1:47:11
